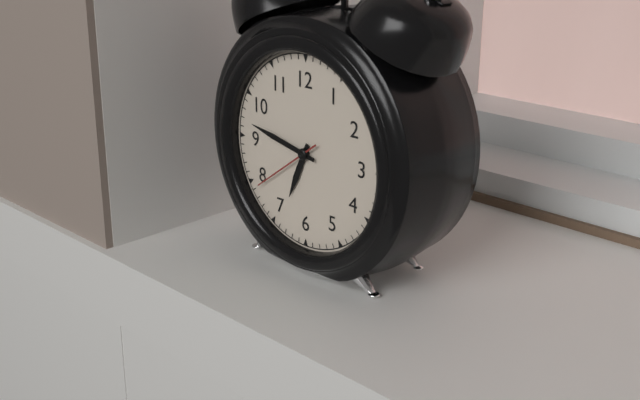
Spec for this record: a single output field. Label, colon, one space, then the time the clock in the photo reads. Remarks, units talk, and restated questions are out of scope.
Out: 6:47:39
